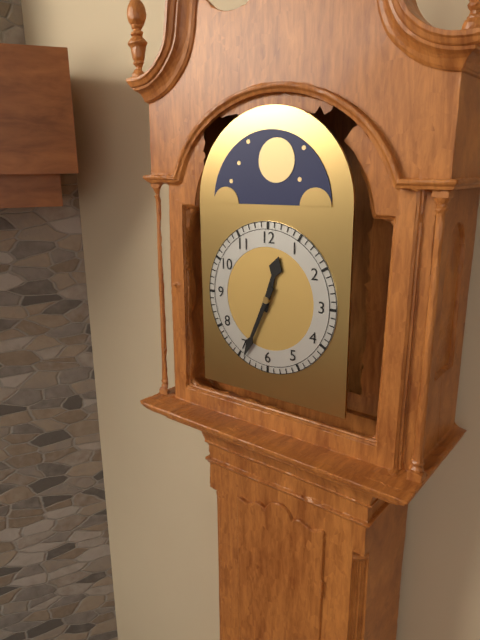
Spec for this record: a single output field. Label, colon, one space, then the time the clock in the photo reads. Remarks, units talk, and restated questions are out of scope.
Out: 12:34
